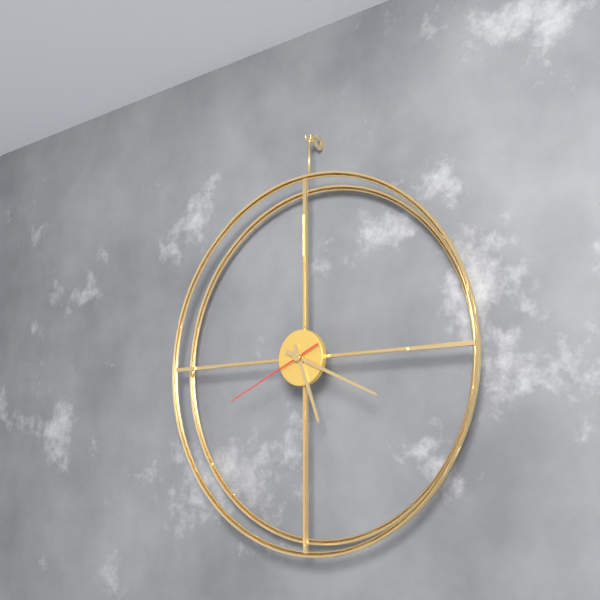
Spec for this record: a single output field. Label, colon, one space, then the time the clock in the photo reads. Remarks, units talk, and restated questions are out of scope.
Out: 5:19:41
